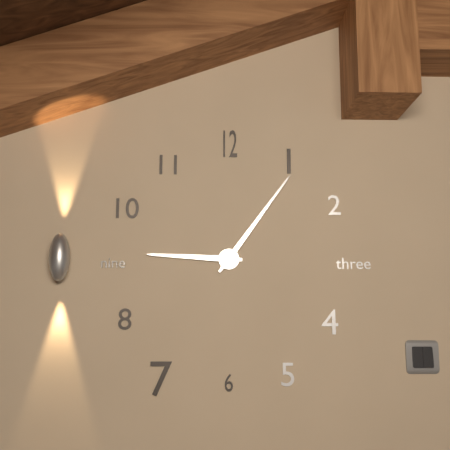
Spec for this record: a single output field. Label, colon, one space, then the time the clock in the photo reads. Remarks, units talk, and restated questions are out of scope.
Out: 9:06
